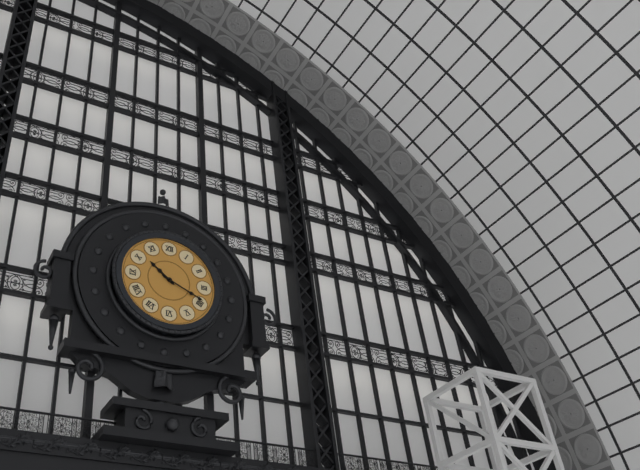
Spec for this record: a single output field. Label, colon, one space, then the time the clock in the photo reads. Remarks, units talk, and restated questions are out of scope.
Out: 10:19
